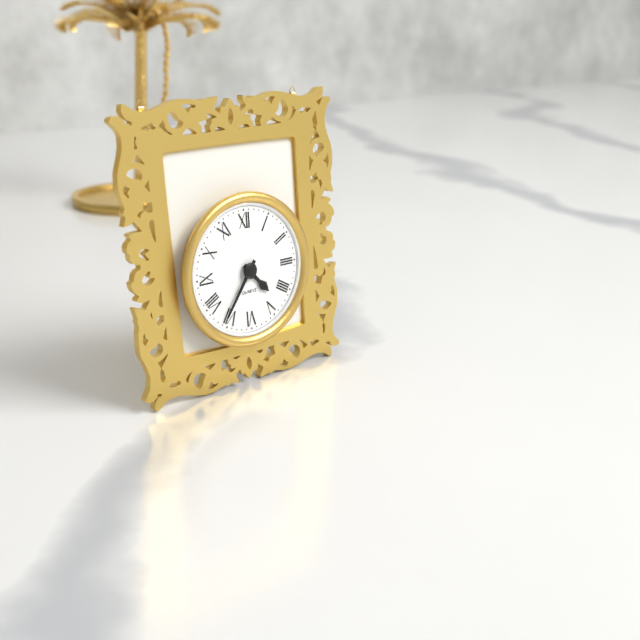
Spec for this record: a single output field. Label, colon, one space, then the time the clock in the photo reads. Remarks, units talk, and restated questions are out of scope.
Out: 4:36
